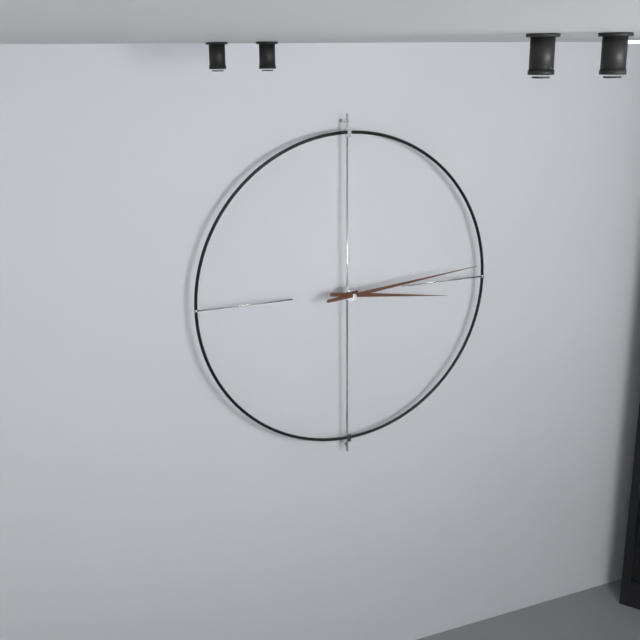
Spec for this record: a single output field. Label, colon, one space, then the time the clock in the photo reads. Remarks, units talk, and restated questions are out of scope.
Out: 3:14
